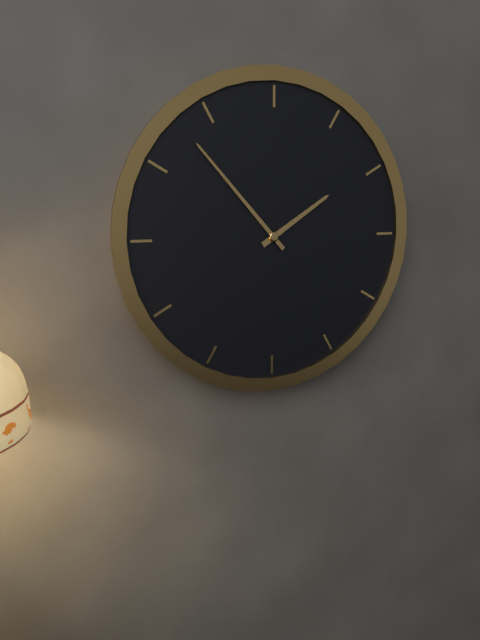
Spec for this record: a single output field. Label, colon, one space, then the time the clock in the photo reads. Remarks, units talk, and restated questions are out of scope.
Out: 1:53
